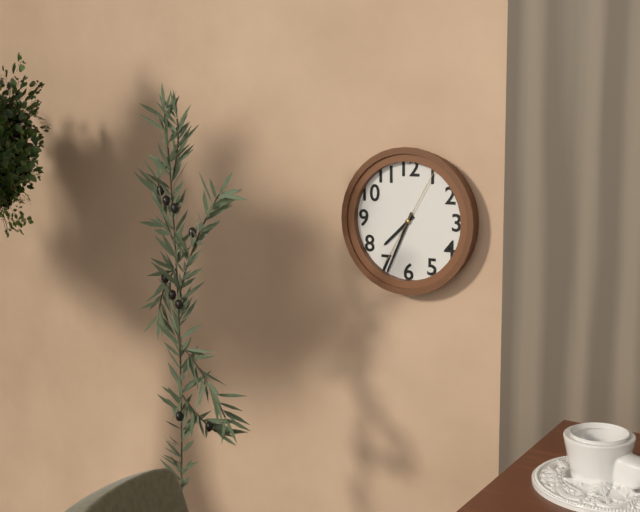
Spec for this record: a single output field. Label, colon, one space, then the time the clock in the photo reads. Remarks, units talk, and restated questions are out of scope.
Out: 7:34:05
